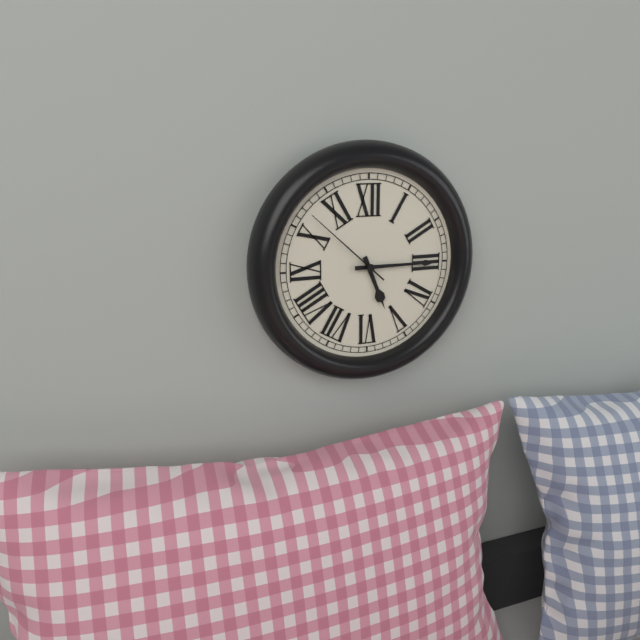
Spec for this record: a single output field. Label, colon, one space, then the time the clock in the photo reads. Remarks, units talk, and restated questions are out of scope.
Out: 5:15:52
